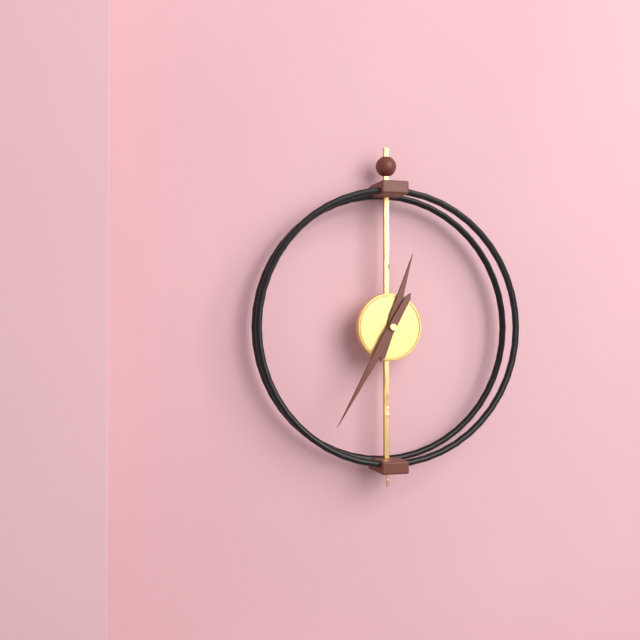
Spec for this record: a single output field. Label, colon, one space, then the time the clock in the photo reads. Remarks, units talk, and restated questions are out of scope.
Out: 12:35
